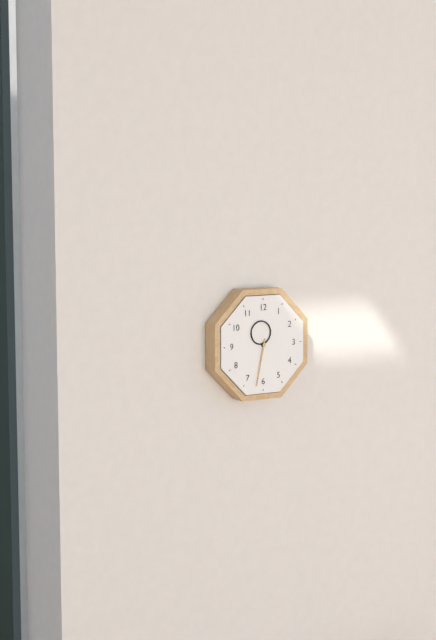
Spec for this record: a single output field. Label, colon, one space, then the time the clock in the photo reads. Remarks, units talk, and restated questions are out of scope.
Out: 11:32
